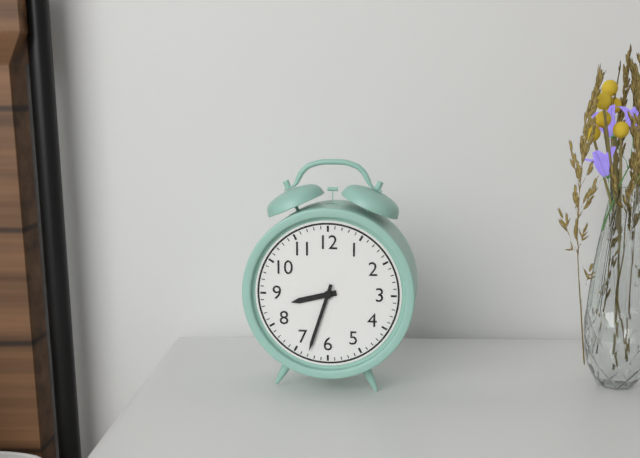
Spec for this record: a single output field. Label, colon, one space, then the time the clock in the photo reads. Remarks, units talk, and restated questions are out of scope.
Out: 8:33
